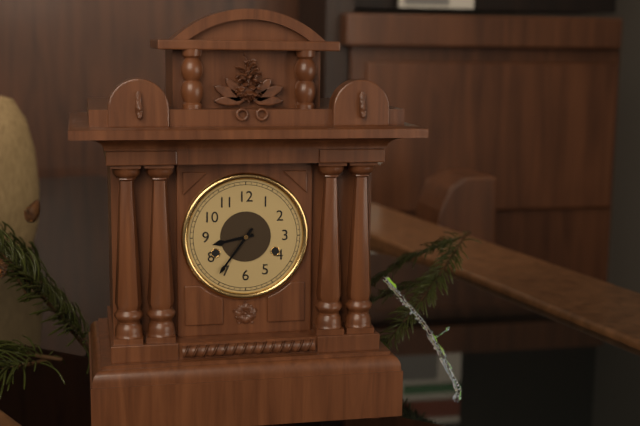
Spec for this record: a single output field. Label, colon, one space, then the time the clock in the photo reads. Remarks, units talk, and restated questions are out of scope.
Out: 8:36
